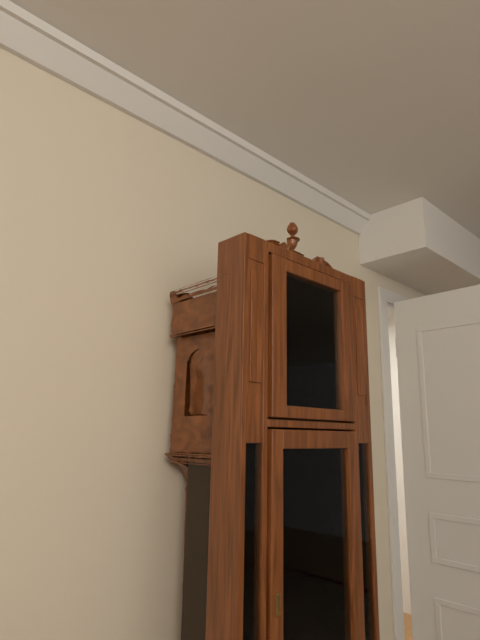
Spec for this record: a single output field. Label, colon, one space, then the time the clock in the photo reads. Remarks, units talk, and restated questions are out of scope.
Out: 8:58
